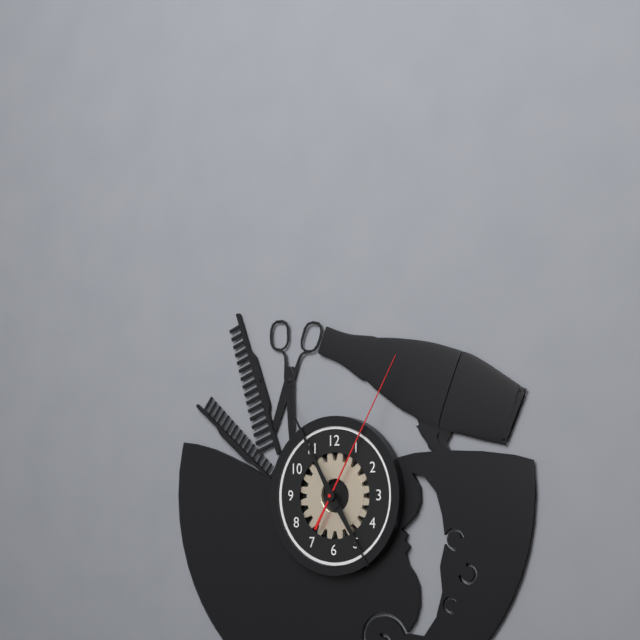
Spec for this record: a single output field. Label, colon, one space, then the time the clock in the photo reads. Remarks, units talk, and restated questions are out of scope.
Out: 4:55:05
